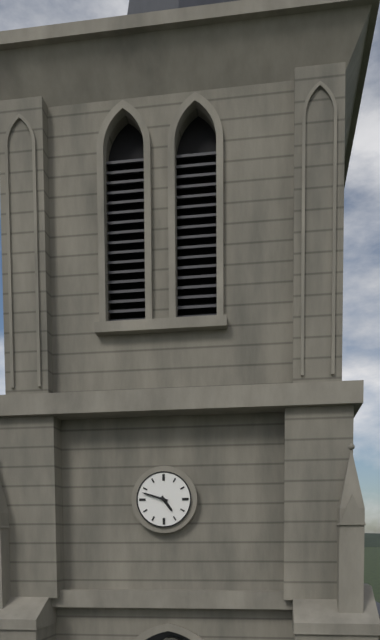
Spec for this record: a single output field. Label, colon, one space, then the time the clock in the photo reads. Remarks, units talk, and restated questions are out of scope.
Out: 4:48
